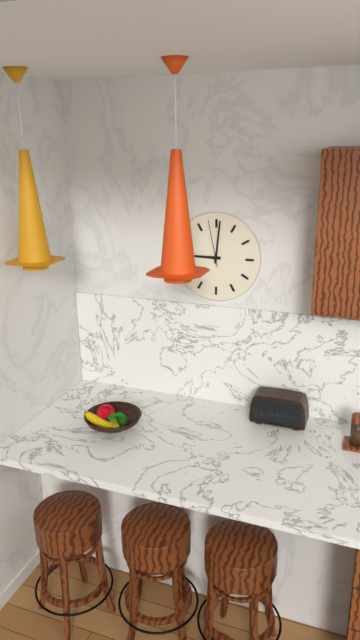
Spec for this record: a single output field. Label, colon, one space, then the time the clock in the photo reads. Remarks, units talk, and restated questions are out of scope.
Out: 9:01
